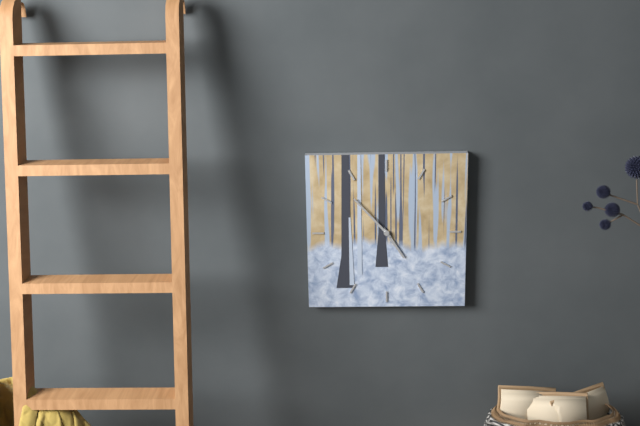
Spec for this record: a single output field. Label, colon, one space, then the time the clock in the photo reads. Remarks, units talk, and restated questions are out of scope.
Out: 4:53
